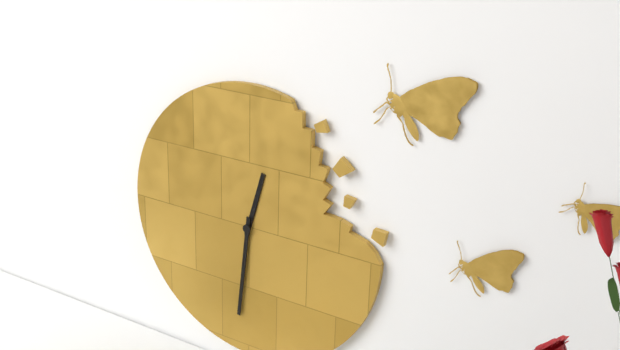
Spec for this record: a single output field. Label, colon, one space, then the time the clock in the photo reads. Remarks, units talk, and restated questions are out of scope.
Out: 12:31
